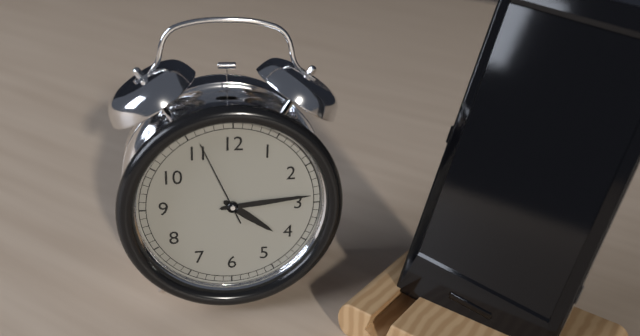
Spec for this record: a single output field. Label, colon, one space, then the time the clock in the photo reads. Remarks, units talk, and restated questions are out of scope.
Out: 4:14:56
